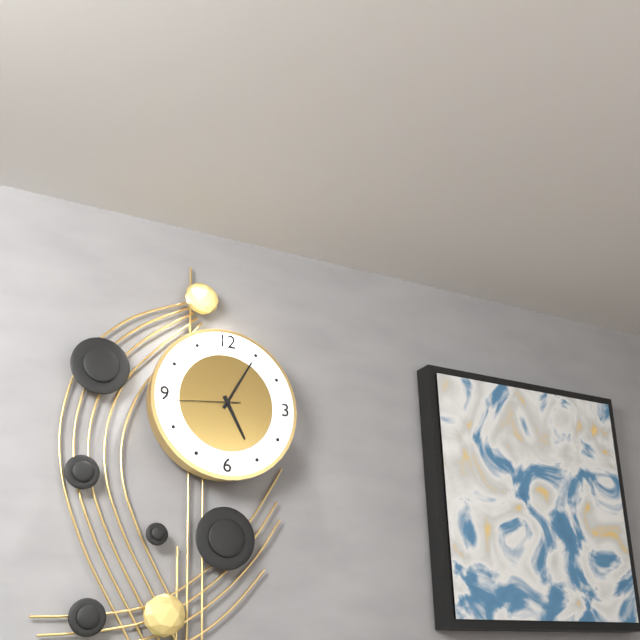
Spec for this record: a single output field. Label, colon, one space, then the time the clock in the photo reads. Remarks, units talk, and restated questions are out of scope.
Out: 5:05:44
